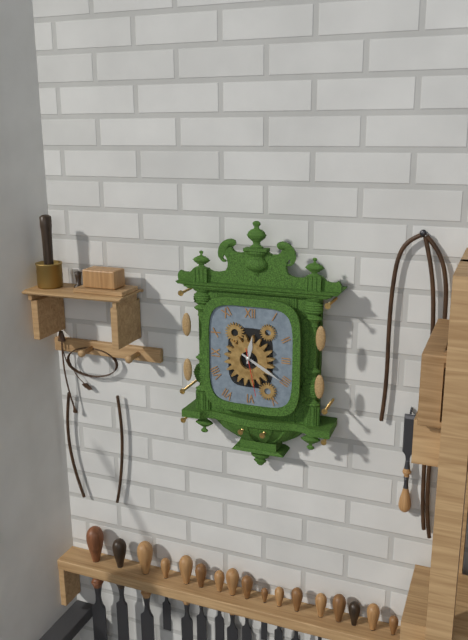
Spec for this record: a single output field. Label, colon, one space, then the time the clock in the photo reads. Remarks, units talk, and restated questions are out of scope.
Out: 12:20
